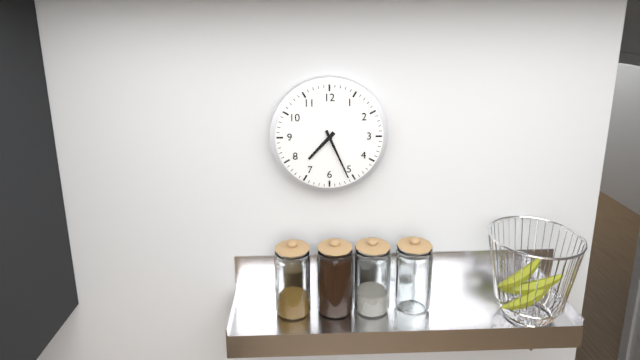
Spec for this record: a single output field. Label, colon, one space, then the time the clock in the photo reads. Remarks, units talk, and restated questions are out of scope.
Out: 7:26
